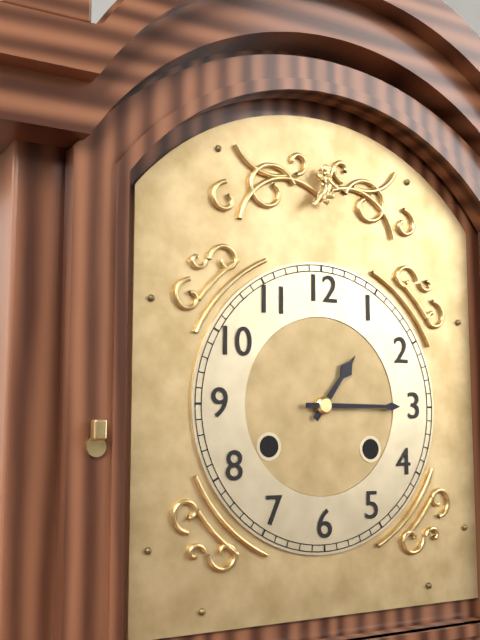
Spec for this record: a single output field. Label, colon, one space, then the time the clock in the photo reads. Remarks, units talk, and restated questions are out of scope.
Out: 1:15
